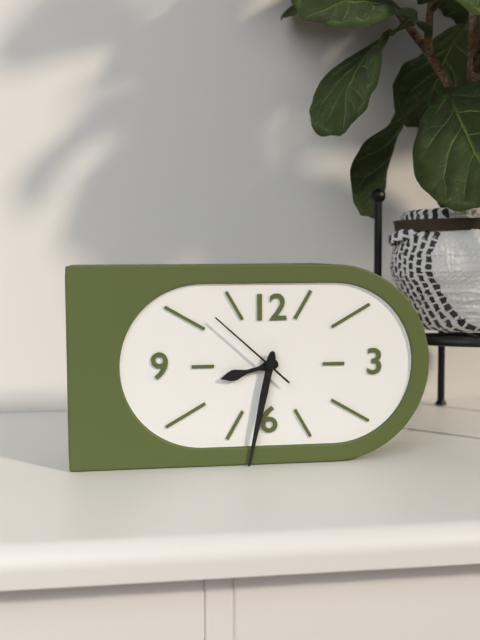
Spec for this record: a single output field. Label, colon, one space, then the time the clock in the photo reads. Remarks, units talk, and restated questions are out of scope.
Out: 8:32:52
